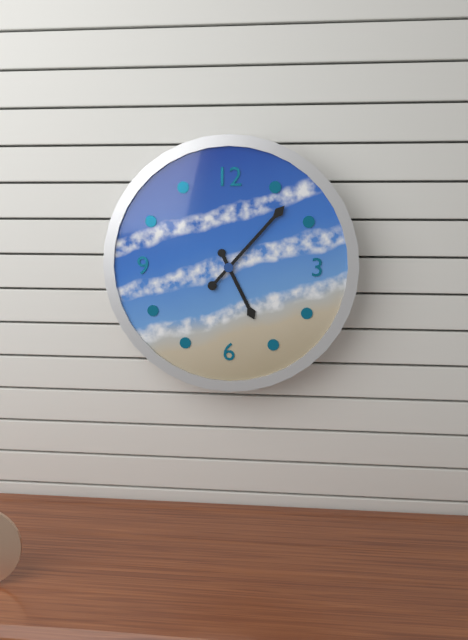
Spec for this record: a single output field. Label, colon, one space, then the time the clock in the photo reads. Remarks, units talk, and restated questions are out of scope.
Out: 5:07
